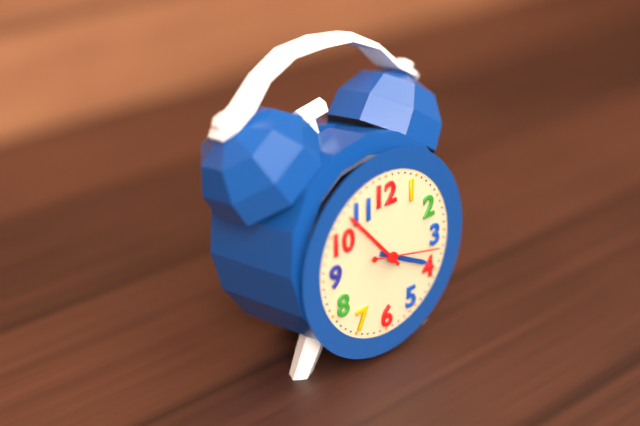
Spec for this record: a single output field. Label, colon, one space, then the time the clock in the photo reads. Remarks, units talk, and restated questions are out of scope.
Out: 3:53:17
